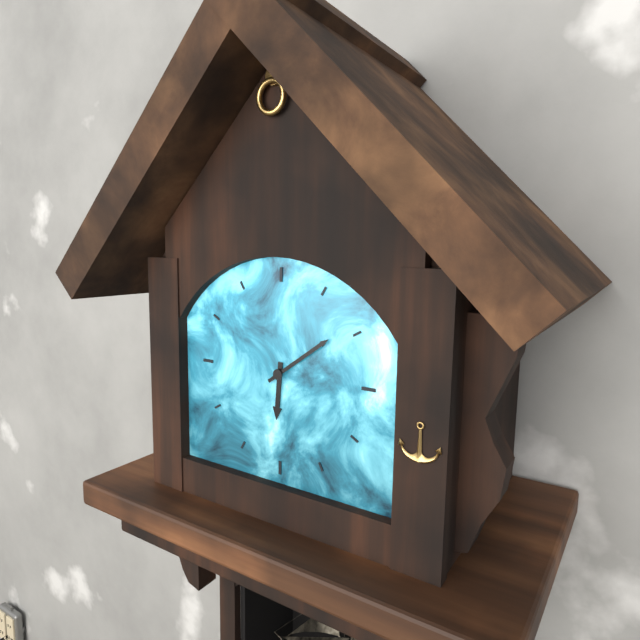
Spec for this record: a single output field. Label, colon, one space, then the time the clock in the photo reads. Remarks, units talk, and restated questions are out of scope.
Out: 6:09
